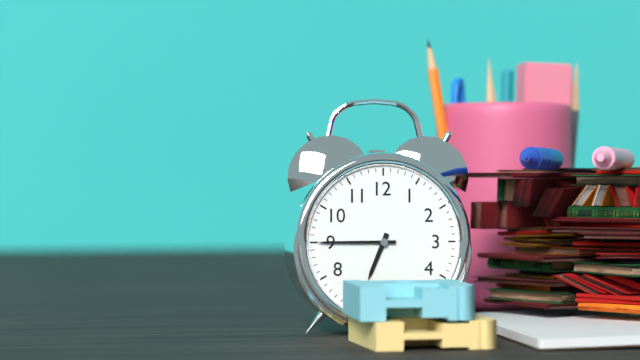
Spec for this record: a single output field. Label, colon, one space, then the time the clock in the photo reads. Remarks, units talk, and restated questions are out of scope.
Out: 6:45
